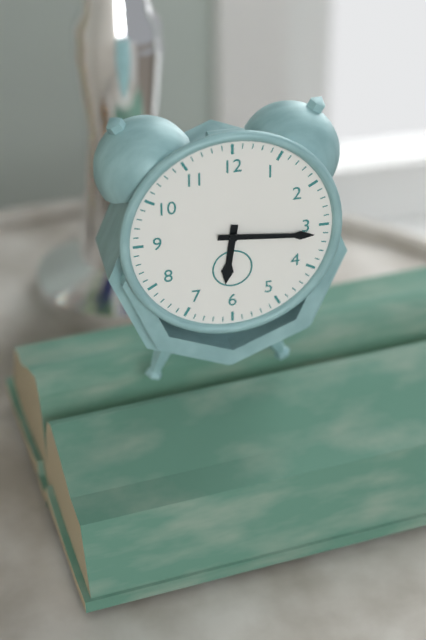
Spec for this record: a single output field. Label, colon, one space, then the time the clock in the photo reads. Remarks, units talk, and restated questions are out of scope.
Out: 6:16
